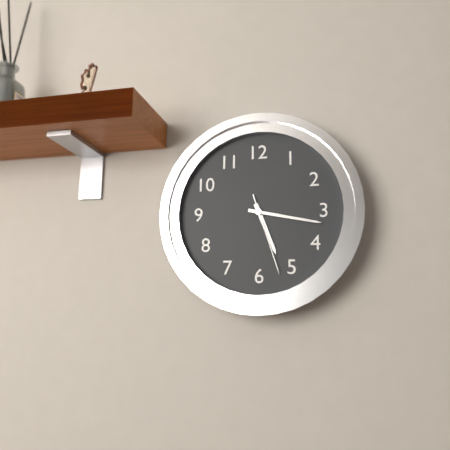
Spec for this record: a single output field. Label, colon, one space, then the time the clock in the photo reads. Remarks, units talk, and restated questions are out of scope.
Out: 5:17:27
